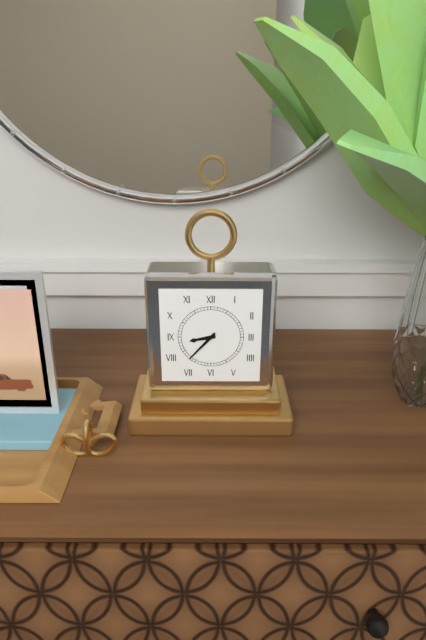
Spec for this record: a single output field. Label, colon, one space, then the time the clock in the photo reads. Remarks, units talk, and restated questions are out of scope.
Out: 8:37
